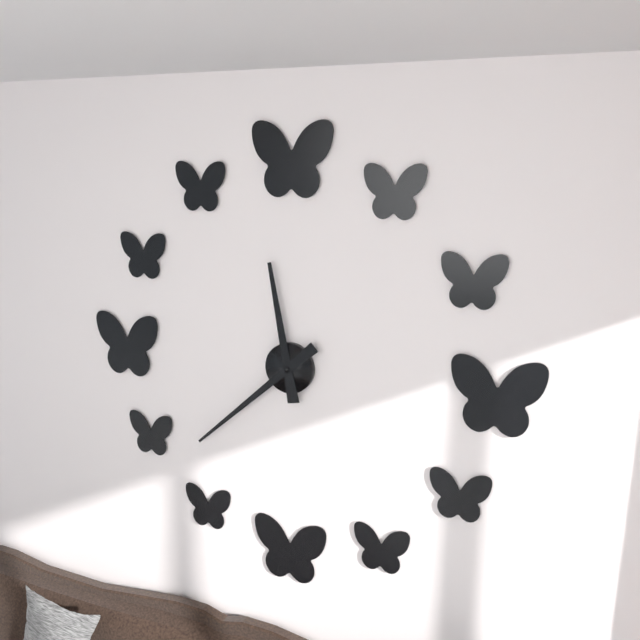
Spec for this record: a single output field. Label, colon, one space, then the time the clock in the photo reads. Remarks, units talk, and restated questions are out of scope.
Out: 11:38
